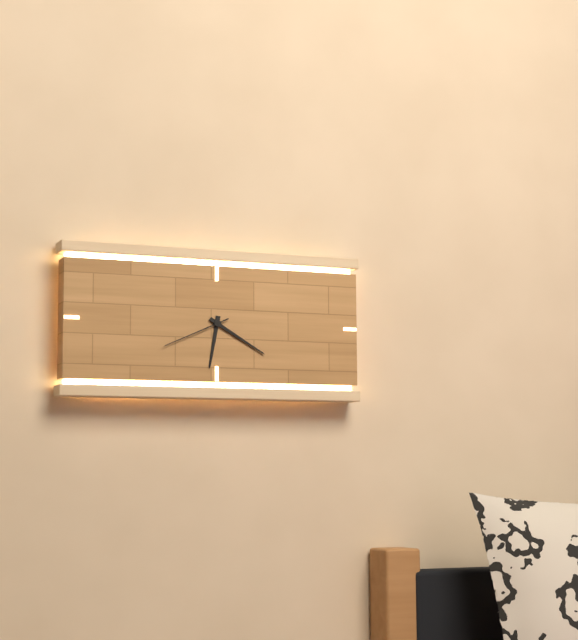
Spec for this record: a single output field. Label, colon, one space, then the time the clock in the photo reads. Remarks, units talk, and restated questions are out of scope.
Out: 6:20:41
